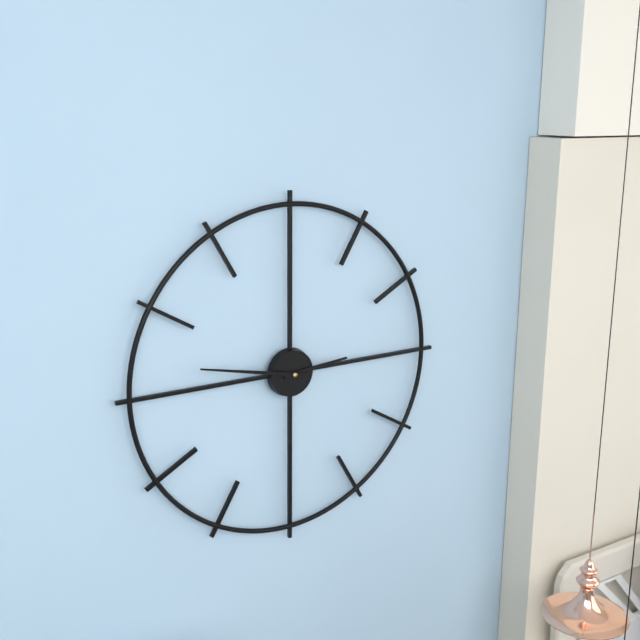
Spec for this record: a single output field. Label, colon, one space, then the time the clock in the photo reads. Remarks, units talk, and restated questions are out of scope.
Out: 2:47
